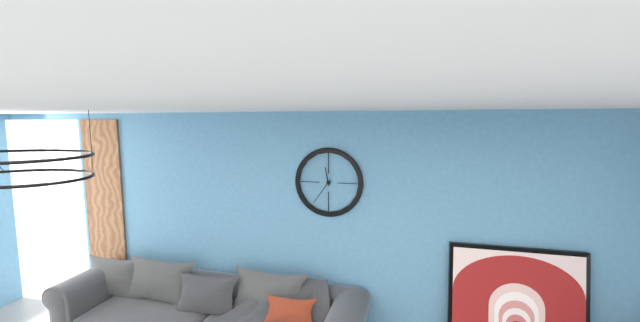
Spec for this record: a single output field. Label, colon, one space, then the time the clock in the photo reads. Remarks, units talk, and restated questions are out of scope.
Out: 11:36
